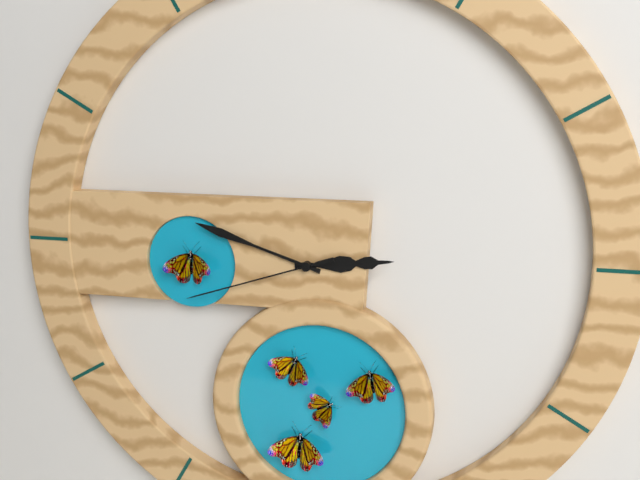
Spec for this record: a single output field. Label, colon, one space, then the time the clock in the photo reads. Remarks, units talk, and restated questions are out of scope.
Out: 2:48:42
